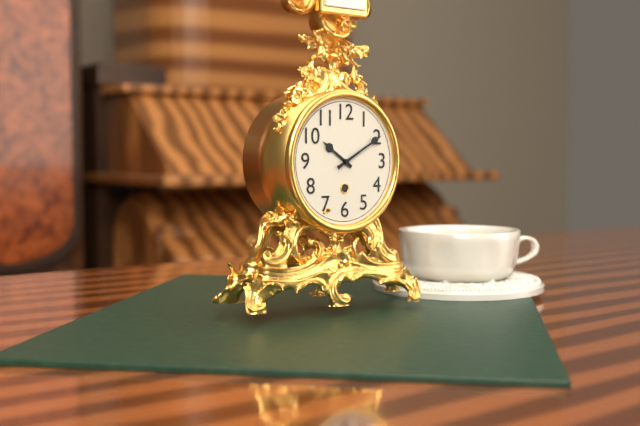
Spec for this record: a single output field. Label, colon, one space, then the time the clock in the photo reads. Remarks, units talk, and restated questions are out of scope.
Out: 10:10
